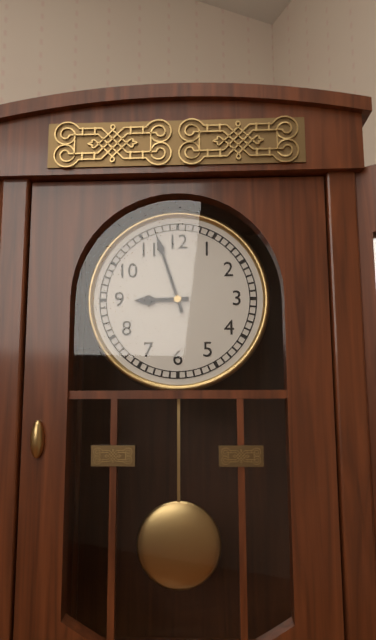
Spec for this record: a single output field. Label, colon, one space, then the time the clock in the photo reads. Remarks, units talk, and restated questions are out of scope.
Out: 8:57
